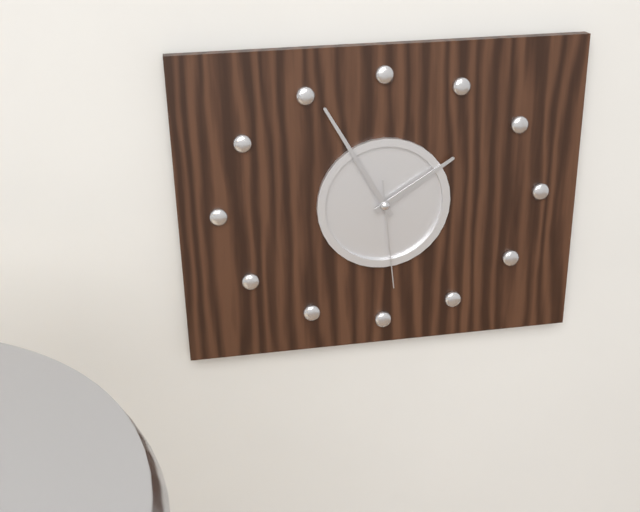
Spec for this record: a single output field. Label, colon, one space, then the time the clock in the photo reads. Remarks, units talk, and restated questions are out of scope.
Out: 1:55:29
